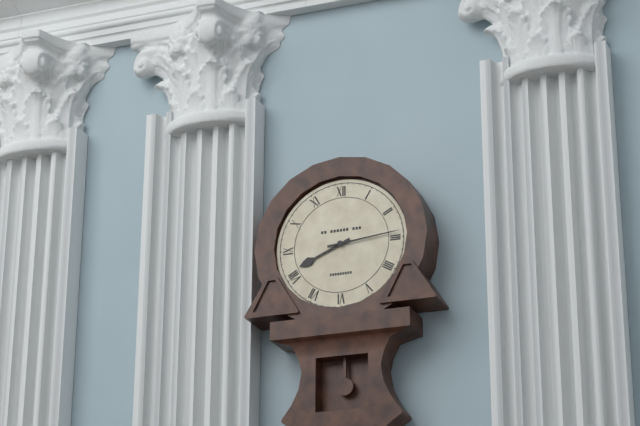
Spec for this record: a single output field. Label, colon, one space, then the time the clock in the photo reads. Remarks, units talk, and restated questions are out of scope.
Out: 8:14
